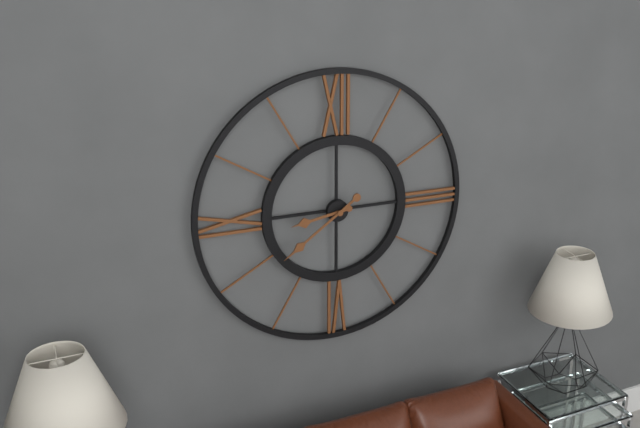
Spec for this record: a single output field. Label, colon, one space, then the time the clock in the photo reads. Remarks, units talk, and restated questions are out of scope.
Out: 8:39
